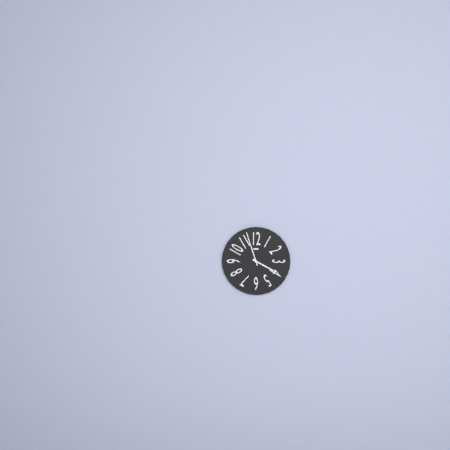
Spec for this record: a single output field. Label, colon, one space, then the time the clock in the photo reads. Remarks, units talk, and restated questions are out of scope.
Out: 3:57
